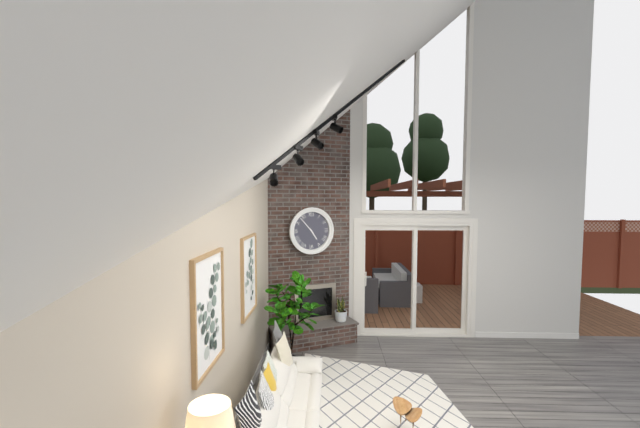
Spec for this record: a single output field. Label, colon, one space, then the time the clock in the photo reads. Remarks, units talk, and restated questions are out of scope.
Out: 4:53
